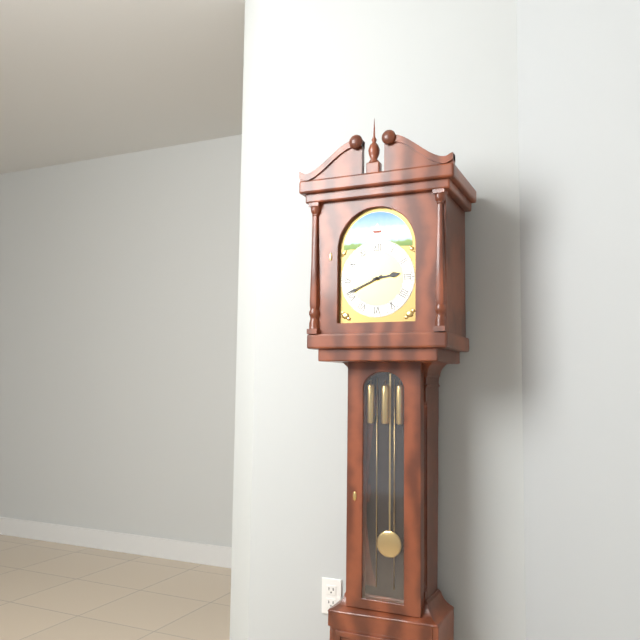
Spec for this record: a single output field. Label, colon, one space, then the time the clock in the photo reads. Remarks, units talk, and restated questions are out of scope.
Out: 2:41
